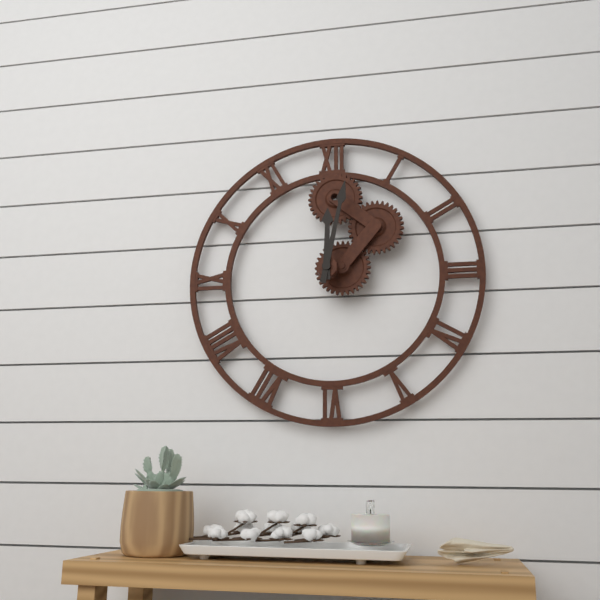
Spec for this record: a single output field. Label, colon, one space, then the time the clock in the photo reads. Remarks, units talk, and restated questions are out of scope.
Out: 12:02
